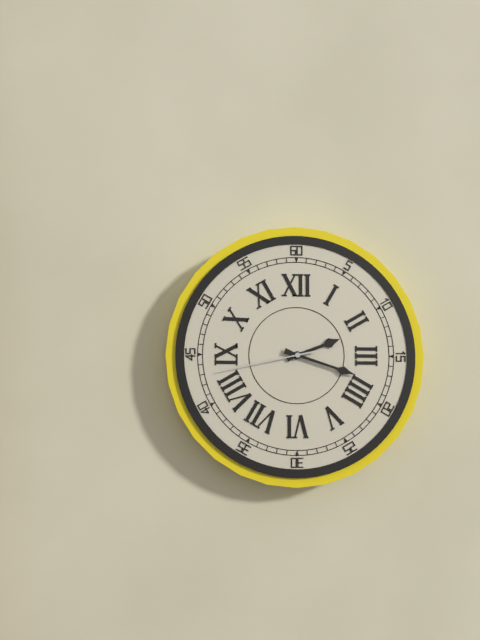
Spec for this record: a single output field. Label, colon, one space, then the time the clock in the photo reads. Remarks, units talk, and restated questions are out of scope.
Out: 2:18:43
